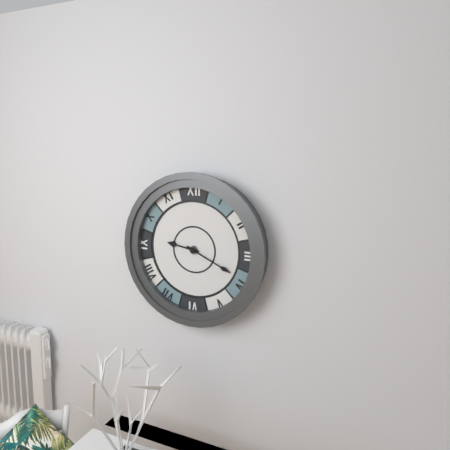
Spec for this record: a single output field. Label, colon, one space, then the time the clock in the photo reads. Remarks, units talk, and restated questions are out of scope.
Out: 9:19
